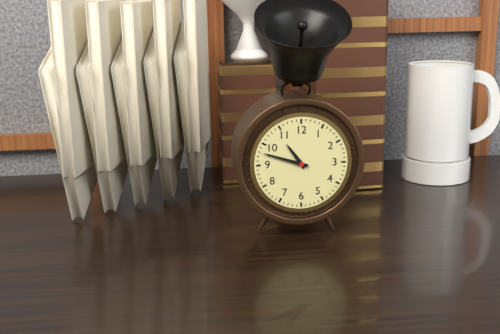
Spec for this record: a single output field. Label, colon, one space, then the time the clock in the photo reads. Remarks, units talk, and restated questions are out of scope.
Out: 10:48
